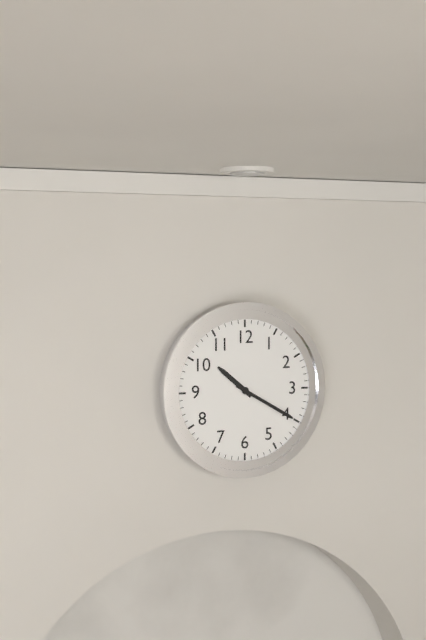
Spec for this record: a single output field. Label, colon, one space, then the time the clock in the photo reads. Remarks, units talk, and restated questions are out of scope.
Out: 10:20
